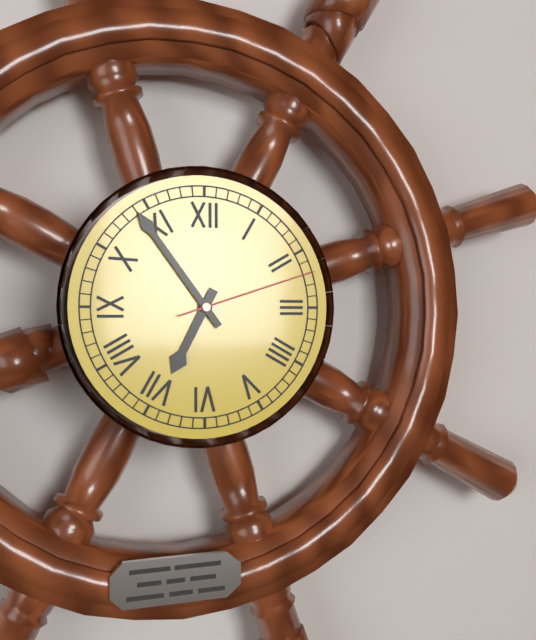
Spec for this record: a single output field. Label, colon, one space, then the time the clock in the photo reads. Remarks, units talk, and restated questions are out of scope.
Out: 6:54:12
